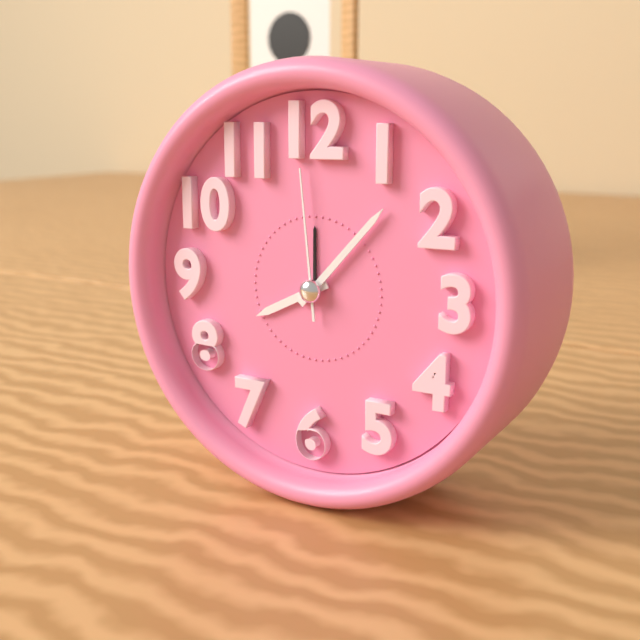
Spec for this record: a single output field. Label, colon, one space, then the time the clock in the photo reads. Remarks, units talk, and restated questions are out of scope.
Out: 8:07:59
